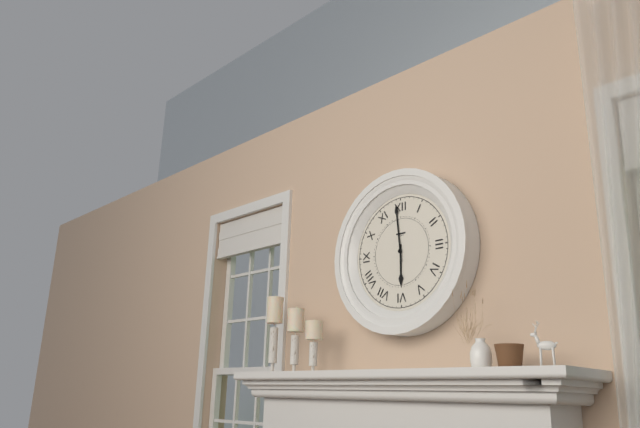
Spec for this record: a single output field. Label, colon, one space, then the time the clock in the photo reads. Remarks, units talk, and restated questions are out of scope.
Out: 5:59
